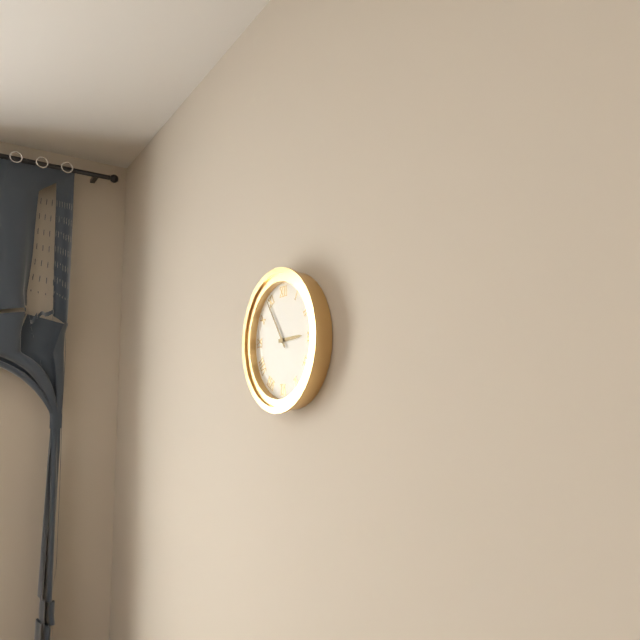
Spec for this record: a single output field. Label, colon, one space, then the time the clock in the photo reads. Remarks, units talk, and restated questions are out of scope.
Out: 2:54
